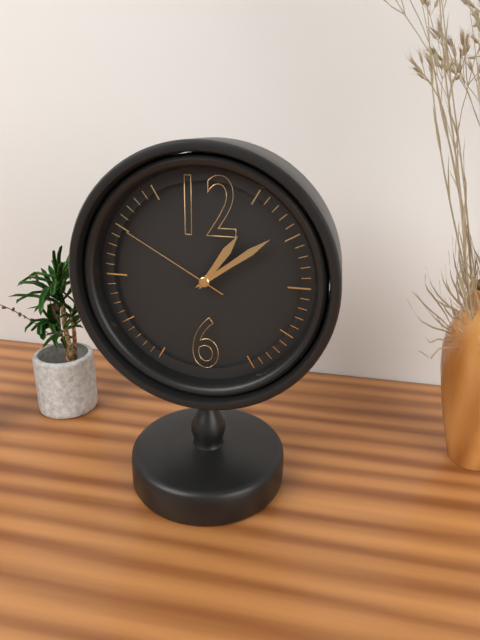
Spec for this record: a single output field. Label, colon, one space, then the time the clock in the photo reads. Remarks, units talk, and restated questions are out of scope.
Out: 1:09:50
